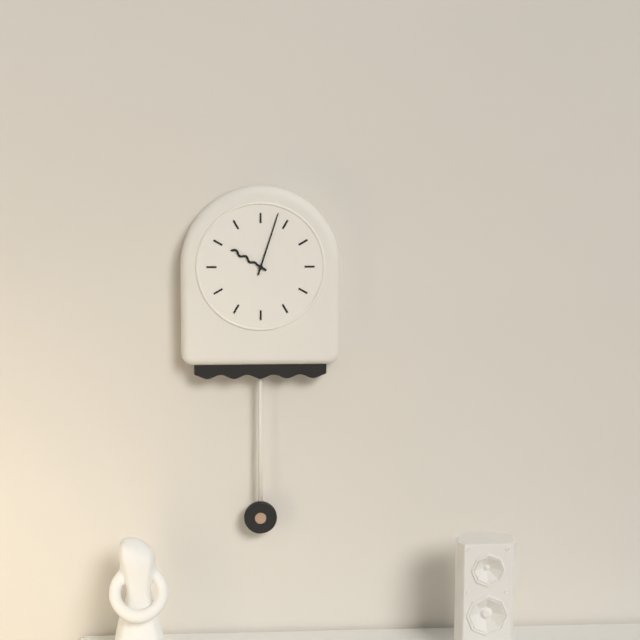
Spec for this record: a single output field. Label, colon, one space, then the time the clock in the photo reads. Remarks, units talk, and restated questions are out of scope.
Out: 10:03
